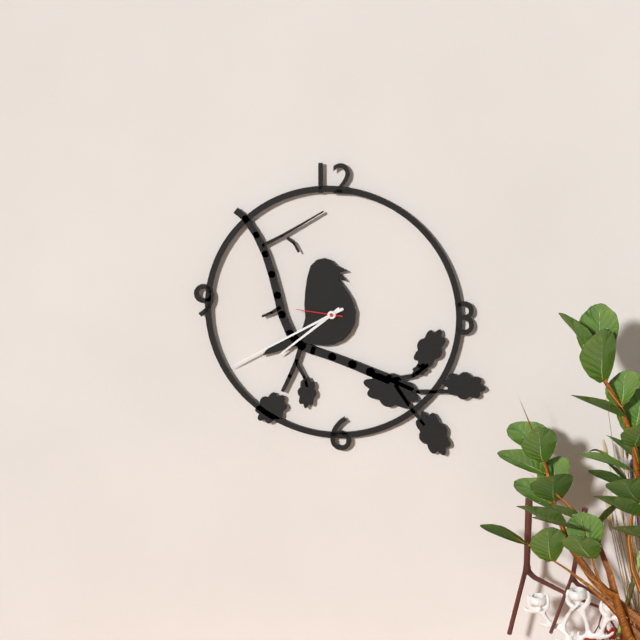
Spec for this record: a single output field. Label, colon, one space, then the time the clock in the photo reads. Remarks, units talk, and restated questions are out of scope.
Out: 7:40
